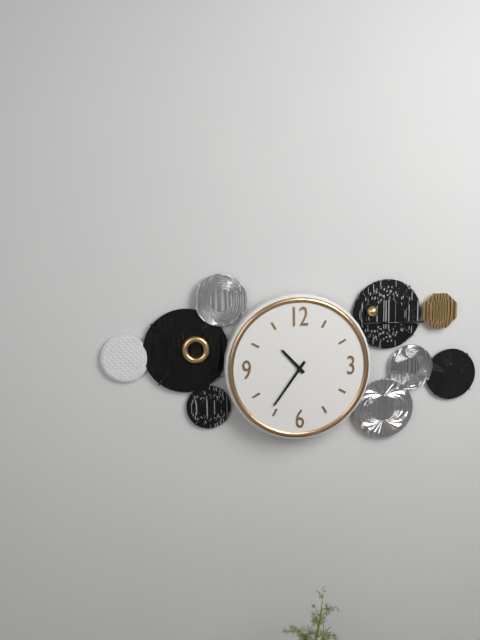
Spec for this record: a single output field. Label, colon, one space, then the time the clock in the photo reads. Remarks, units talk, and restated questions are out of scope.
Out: 10:36
